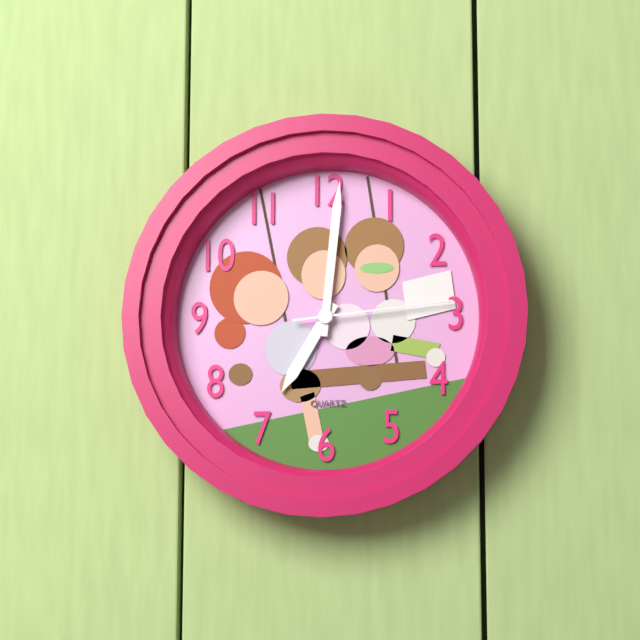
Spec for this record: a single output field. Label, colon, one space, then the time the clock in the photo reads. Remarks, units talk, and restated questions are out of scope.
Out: 7:01:14
